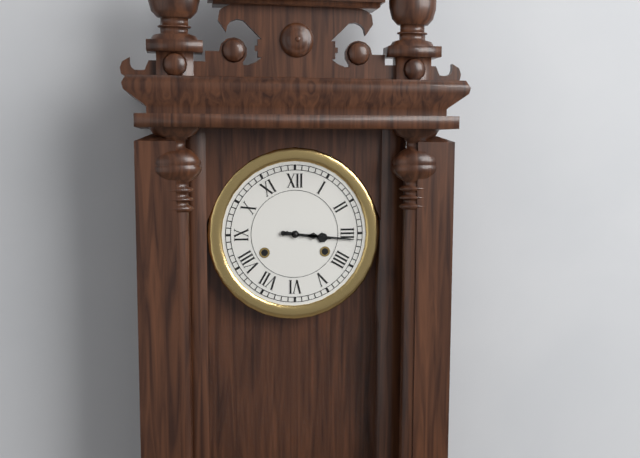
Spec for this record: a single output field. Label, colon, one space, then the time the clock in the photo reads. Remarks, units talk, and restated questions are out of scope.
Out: 3:16
